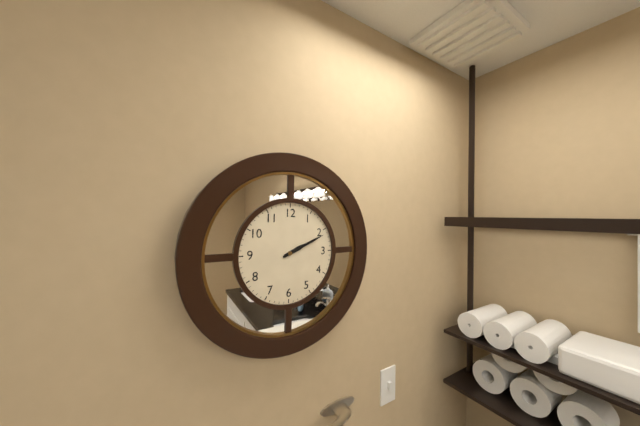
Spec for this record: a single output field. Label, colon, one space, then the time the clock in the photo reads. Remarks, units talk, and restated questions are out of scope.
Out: 2:11
